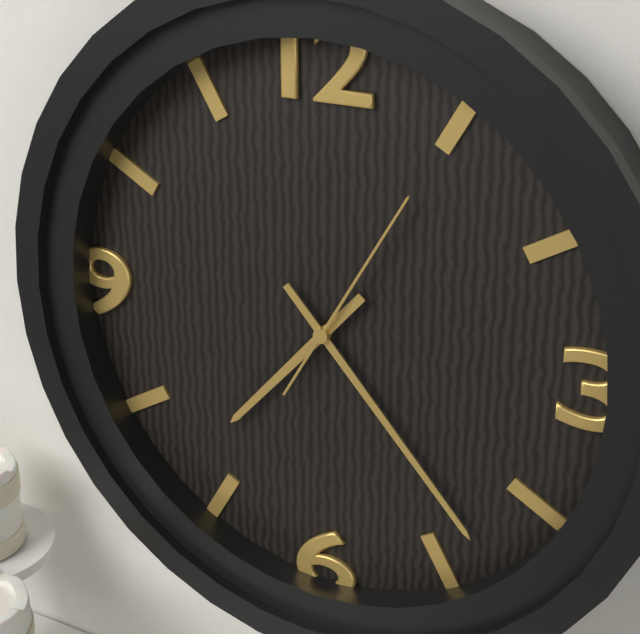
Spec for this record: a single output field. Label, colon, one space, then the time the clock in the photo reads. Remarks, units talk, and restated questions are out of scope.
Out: 7:23:05
